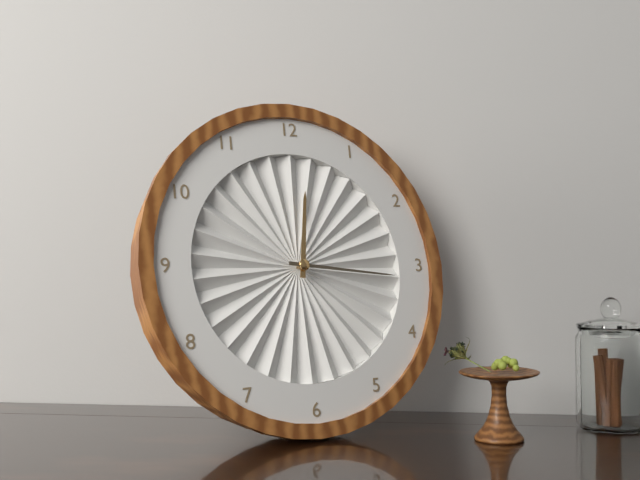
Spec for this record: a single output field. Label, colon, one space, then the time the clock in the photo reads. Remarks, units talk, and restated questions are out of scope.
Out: 12:16
